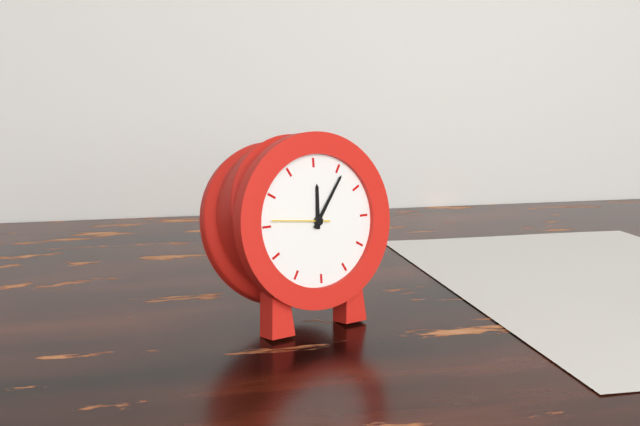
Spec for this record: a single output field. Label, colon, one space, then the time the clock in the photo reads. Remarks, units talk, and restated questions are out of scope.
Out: 12:06:46
